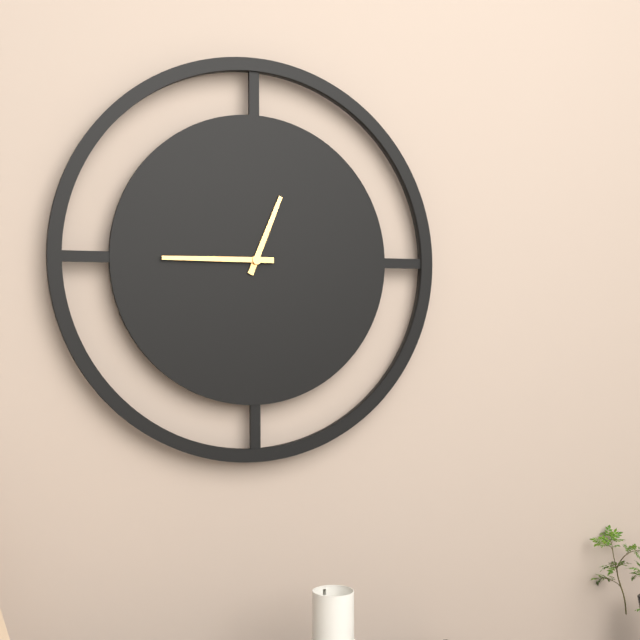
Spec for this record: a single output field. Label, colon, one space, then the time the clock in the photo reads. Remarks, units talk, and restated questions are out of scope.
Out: 12:45
